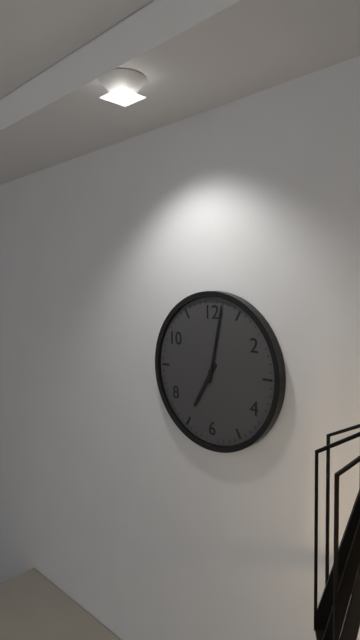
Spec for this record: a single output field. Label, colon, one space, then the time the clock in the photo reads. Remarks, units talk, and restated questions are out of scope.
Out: 7:02
